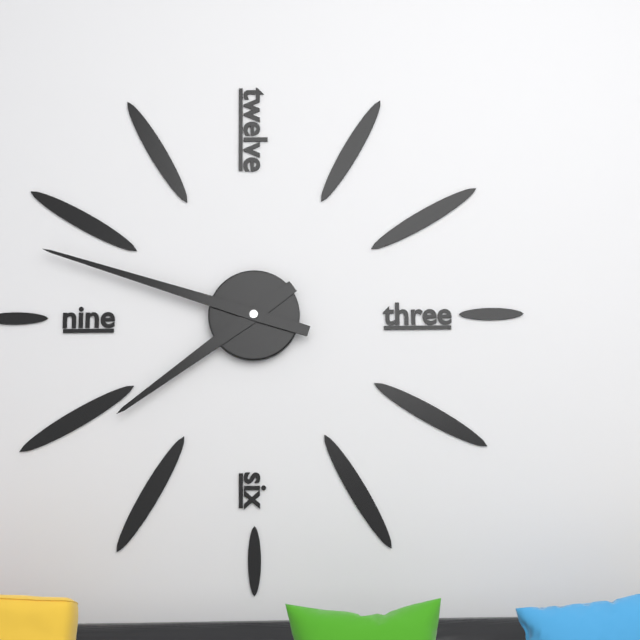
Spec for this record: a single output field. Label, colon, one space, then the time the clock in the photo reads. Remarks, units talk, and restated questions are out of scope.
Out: 7:48
